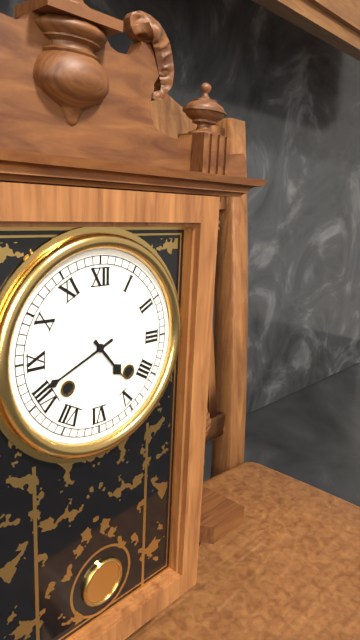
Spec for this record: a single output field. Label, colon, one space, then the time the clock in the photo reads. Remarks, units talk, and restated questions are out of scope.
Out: 4:41
